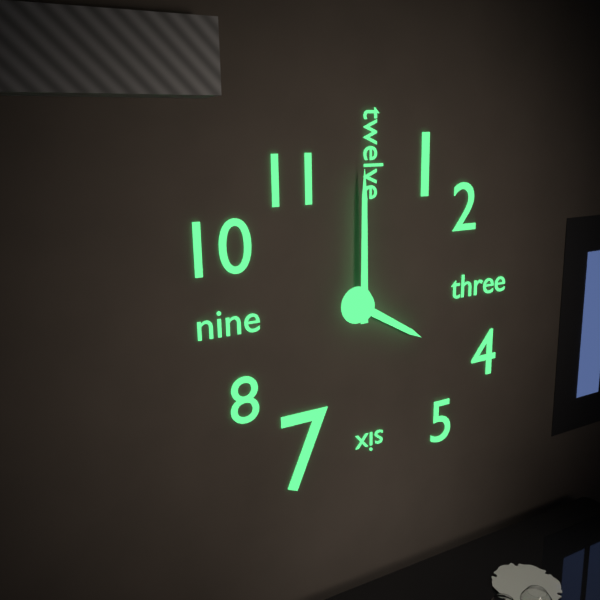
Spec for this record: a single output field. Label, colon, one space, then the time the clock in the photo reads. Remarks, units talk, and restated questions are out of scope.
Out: 4:00
